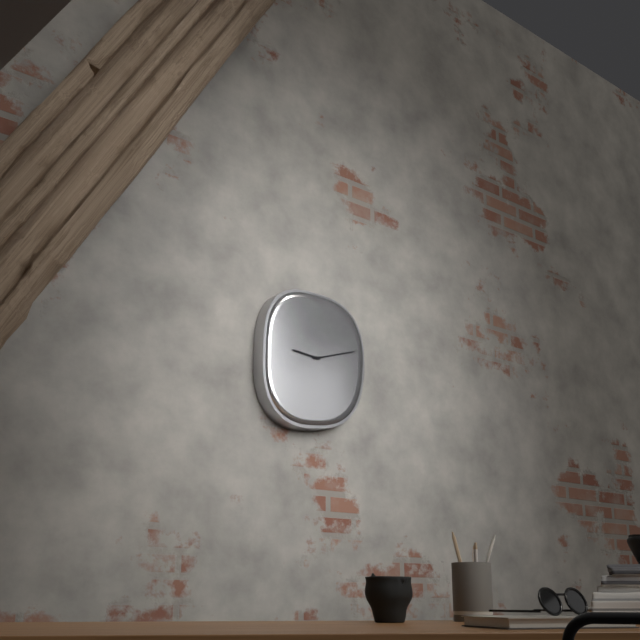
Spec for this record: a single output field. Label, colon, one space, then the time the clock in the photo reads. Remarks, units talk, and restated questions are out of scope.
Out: 9:12
